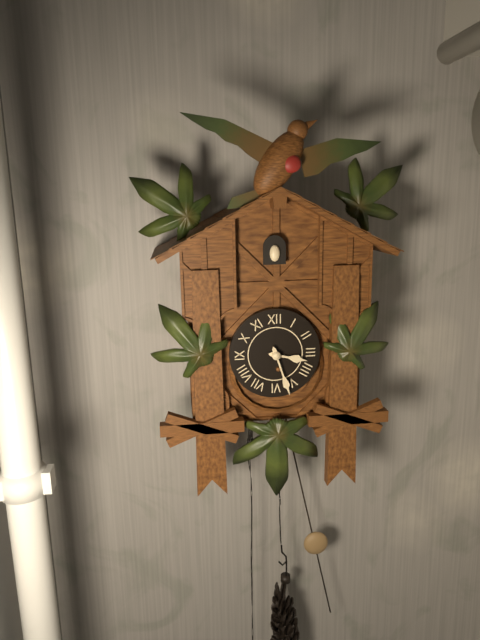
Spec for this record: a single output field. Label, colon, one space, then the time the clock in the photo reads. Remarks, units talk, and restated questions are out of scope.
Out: 3:27
